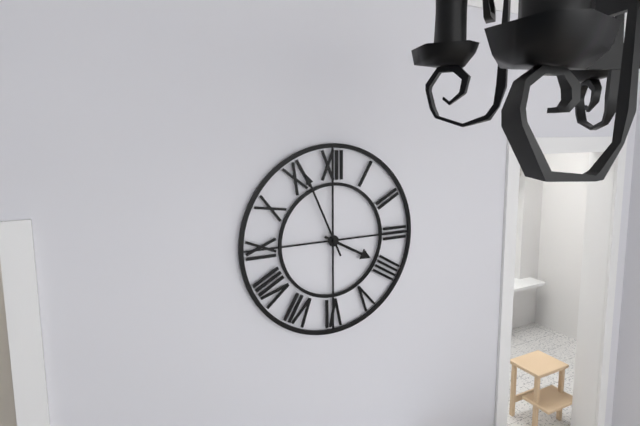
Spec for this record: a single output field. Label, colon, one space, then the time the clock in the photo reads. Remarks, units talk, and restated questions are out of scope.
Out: 3:56
